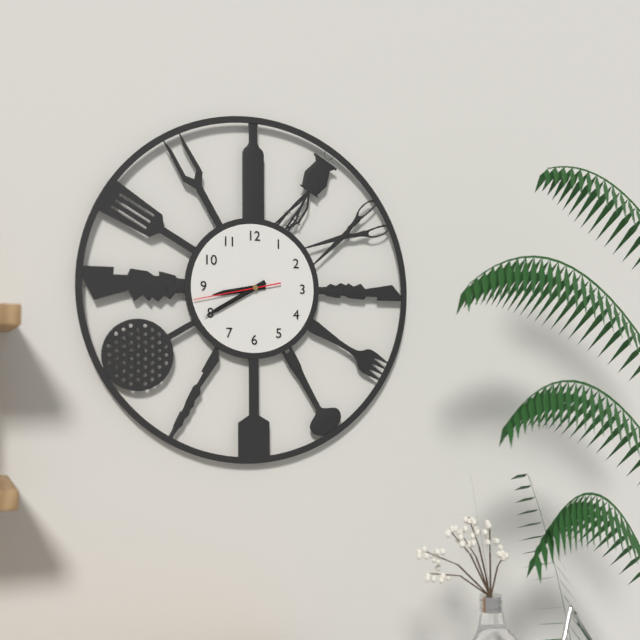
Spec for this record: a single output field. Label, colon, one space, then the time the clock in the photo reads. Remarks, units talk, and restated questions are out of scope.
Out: 8:40:43
